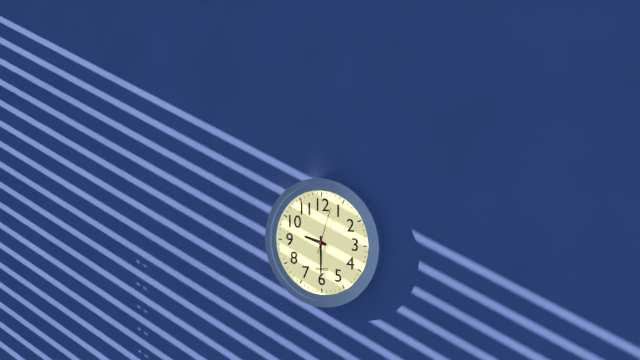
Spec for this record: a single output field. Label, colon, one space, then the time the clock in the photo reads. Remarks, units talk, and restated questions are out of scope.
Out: 9:30
